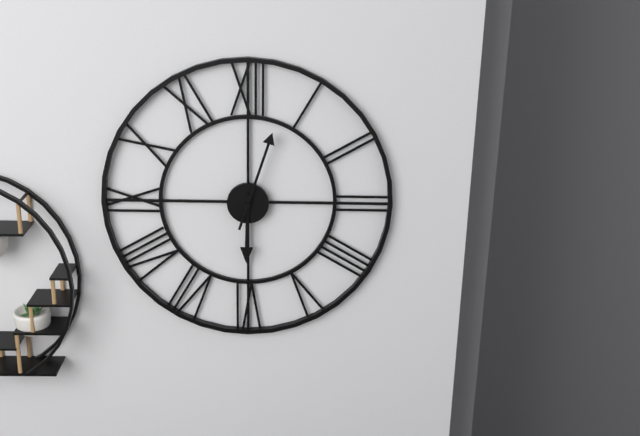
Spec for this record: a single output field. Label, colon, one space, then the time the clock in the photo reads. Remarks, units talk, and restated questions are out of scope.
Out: 6:03
